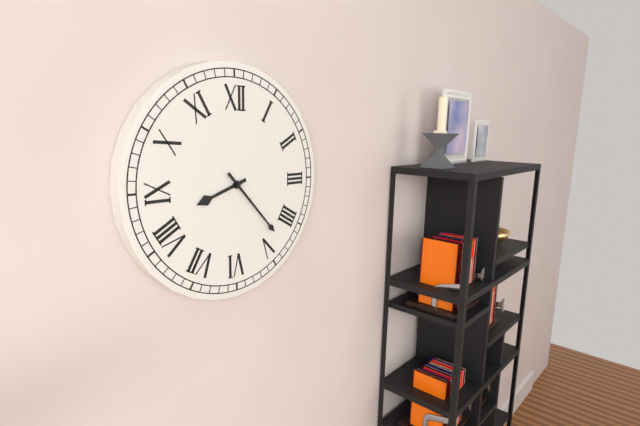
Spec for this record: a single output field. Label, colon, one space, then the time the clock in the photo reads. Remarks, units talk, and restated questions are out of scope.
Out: 8:23
